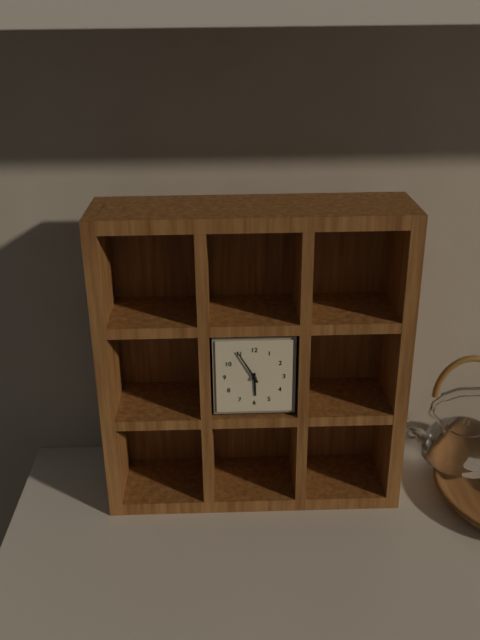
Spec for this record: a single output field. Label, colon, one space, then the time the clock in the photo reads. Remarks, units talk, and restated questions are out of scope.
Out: 5:55
